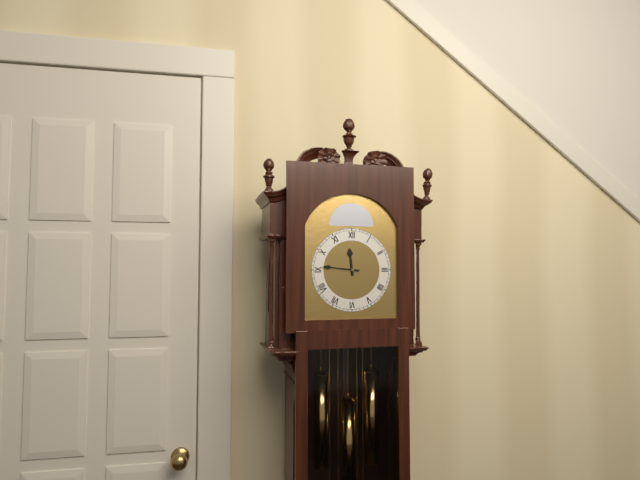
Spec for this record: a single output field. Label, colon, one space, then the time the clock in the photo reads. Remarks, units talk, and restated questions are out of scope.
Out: 11:46
